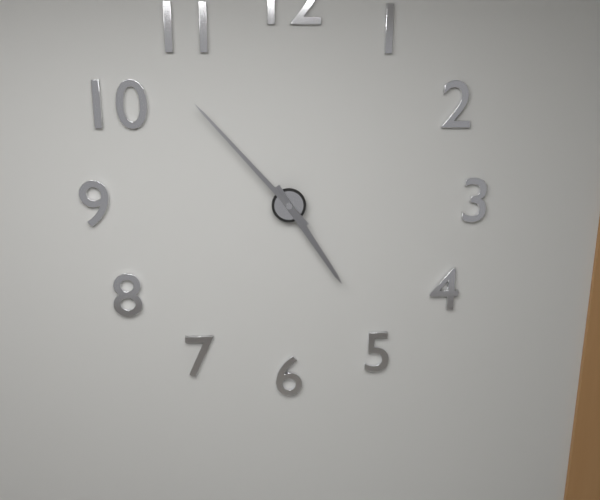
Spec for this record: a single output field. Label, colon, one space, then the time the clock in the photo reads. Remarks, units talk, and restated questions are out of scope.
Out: 4:53
